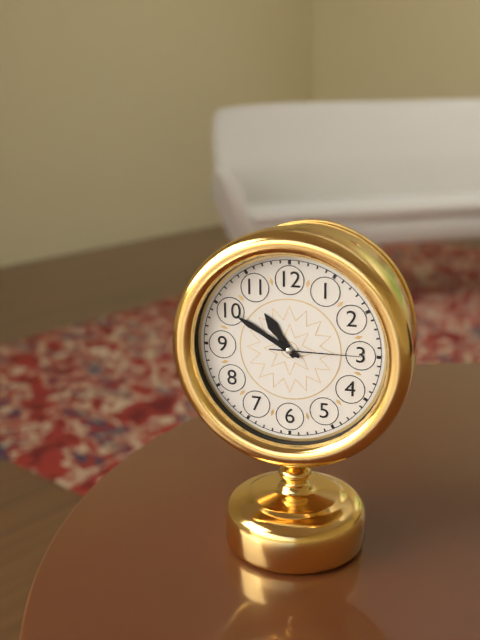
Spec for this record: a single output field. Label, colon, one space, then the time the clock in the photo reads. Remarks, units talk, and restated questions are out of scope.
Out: 10:50:15
